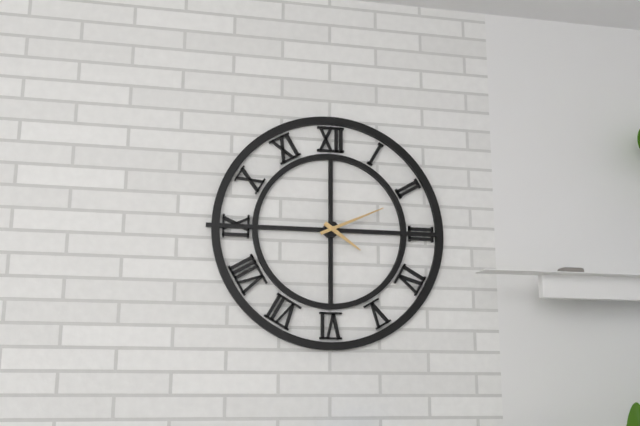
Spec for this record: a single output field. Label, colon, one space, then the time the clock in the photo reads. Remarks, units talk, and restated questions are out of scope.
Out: 4:11
